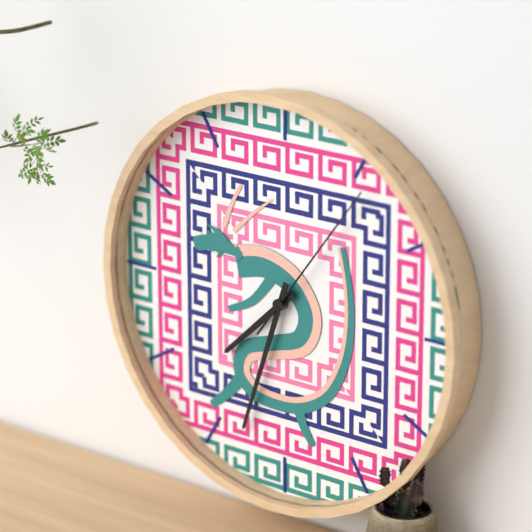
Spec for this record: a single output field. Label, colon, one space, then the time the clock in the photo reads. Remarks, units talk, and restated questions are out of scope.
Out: 7:33:06
